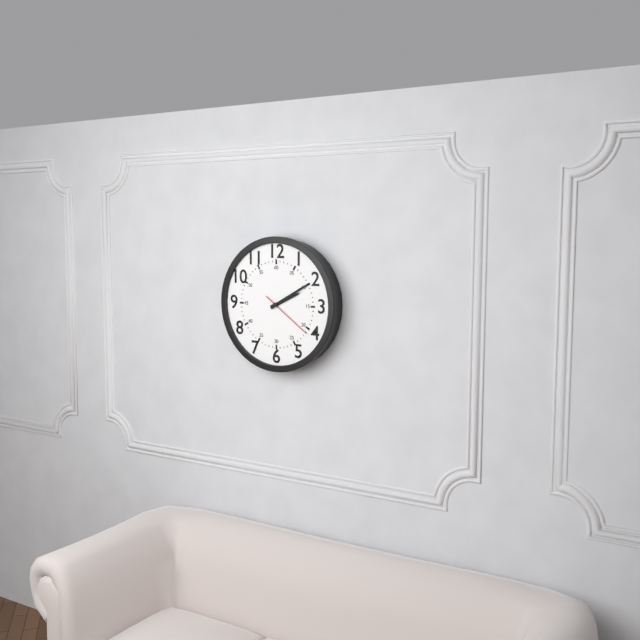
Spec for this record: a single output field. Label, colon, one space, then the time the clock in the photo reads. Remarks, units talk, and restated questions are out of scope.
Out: 2:10:21
